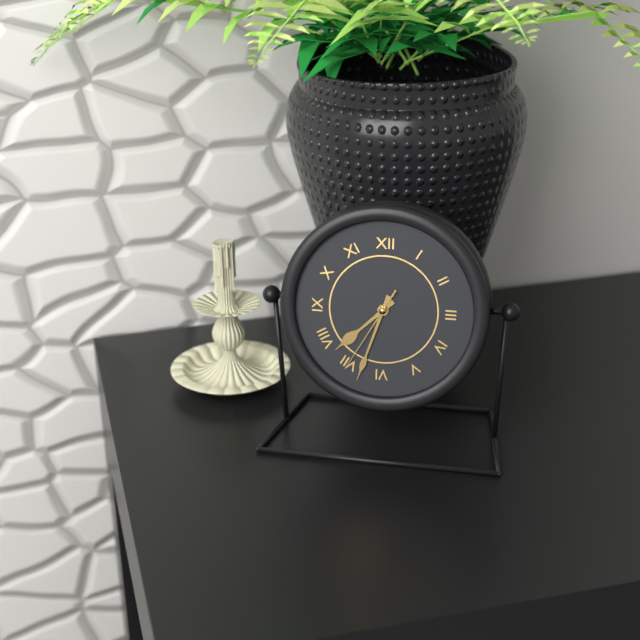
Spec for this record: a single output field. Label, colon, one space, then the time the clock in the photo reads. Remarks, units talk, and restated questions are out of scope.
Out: 7:33:35
